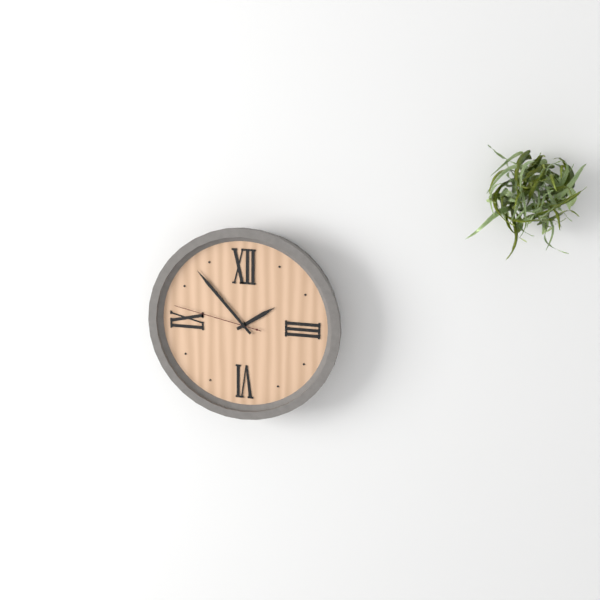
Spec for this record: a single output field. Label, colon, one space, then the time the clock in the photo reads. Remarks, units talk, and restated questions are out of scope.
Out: 1:53:47
